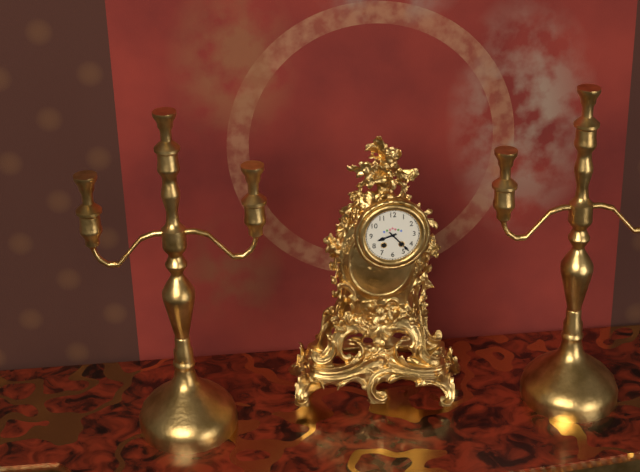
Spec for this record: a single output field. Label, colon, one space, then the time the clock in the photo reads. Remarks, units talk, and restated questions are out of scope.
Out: 8:23
